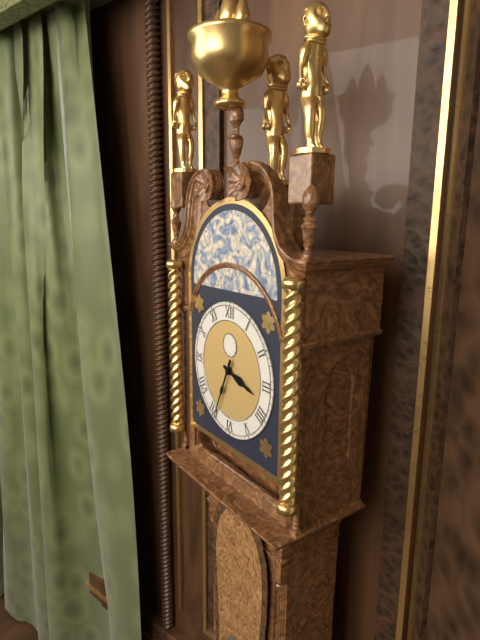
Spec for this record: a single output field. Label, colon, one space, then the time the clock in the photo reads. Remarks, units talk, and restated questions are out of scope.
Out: 3:34
